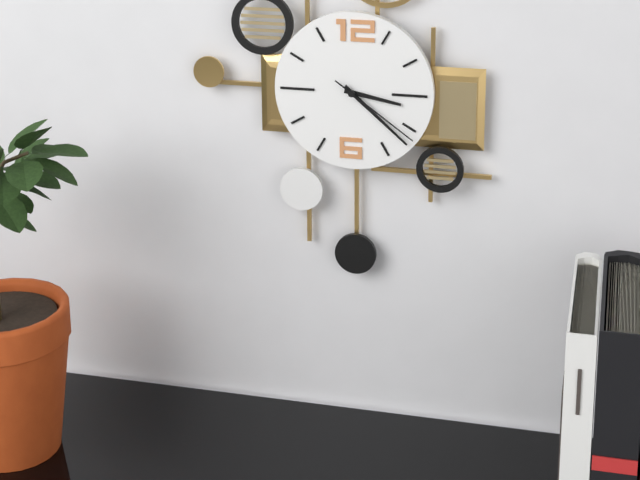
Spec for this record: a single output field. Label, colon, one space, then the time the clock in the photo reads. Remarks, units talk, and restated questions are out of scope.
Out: 3:22:21
